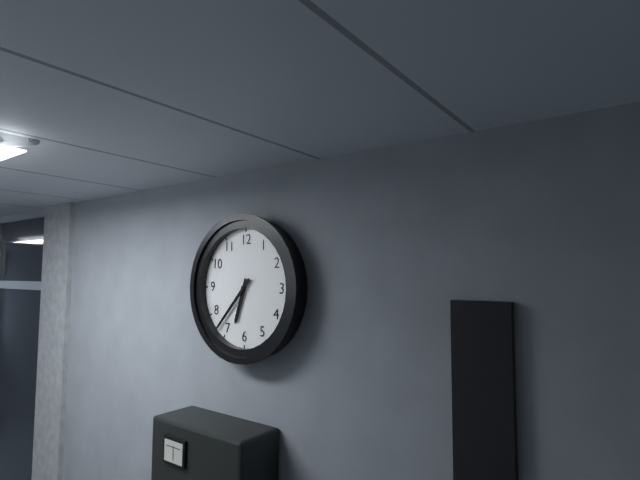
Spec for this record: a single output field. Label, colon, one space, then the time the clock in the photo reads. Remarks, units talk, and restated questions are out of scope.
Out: 6:37
